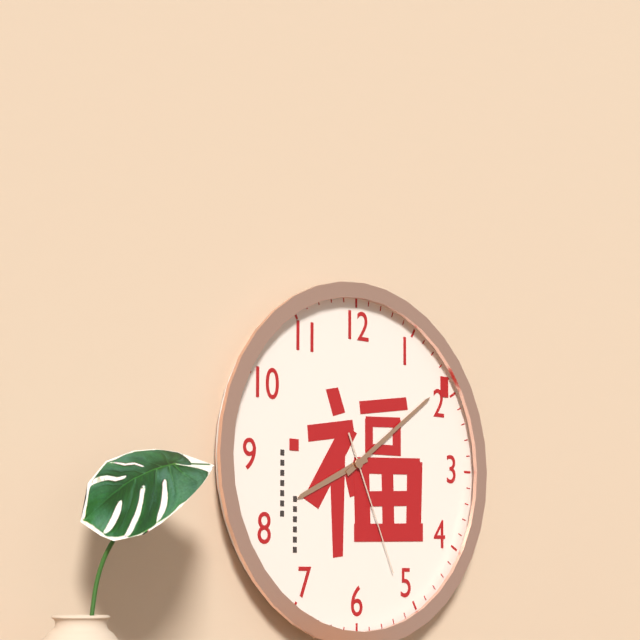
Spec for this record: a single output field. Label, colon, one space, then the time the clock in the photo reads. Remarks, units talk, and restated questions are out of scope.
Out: 8:09:26
